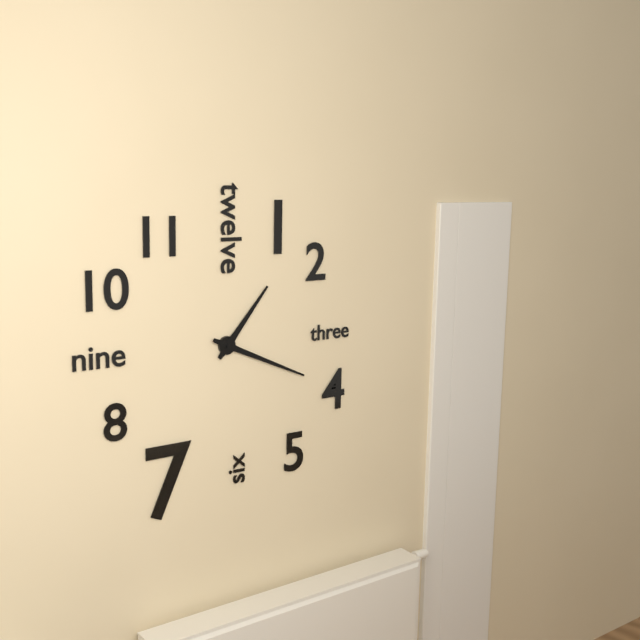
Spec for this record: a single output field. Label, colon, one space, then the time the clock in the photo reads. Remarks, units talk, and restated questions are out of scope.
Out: 1:19
